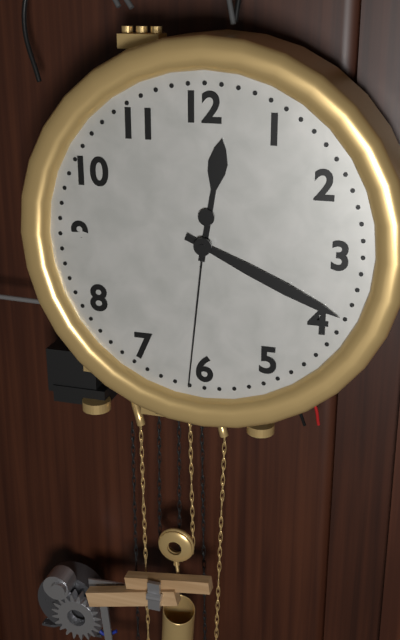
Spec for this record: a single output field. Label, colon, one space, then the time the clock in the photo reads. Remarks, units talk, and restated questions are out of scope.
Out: 12:19:31
